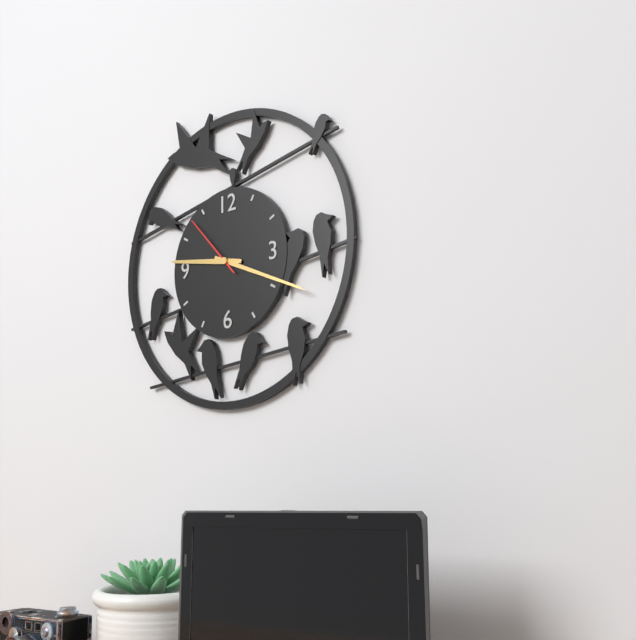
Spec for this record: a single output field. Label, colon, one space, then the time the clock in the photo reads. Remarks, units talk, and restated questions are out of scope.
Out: 9:19:53
